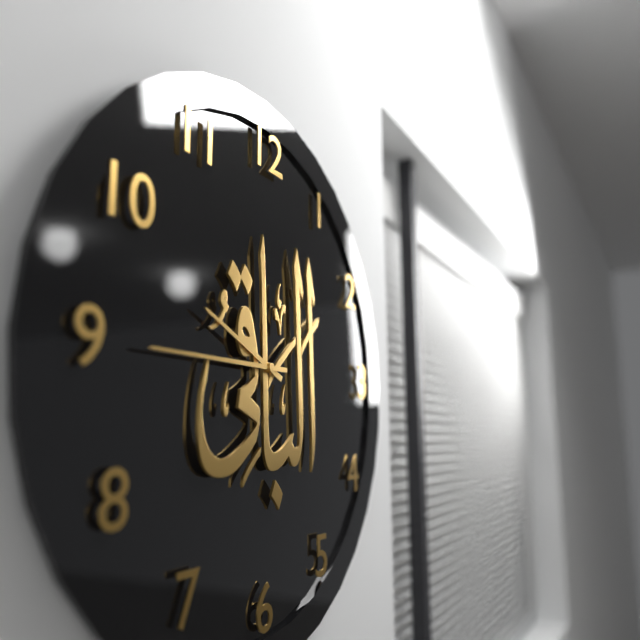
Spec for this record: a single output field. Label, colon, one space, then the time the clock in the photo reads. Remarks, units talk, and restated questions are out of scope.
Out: 9:45
